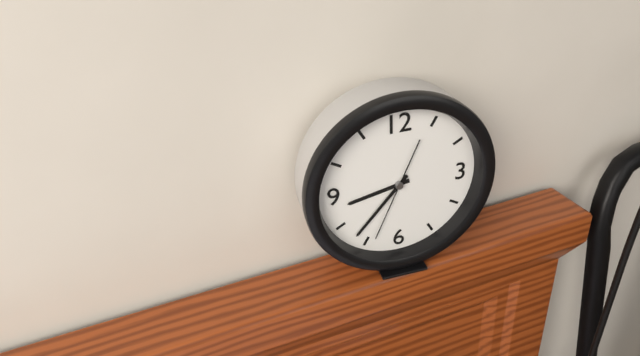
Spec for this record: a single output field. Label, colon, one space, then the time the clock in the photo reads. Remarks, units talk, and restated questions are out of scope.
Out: 8:37:34
